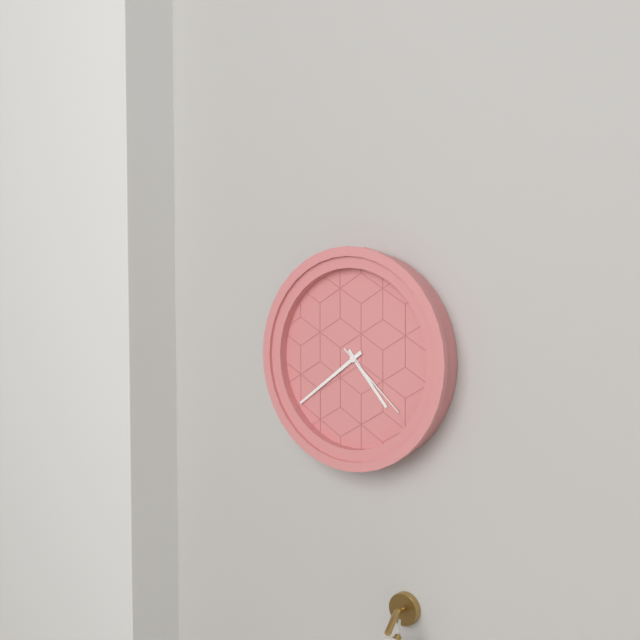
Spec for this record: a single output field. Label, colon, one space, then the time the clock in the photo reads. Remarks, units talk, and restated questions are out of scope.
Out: 4:39:22
